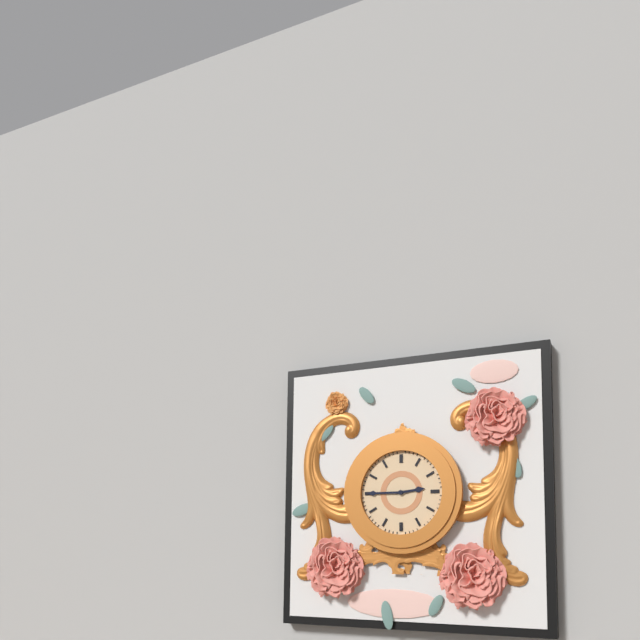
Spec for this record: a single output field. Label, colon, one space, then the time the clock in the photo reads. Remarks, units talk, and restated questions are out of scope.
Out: 2:45
